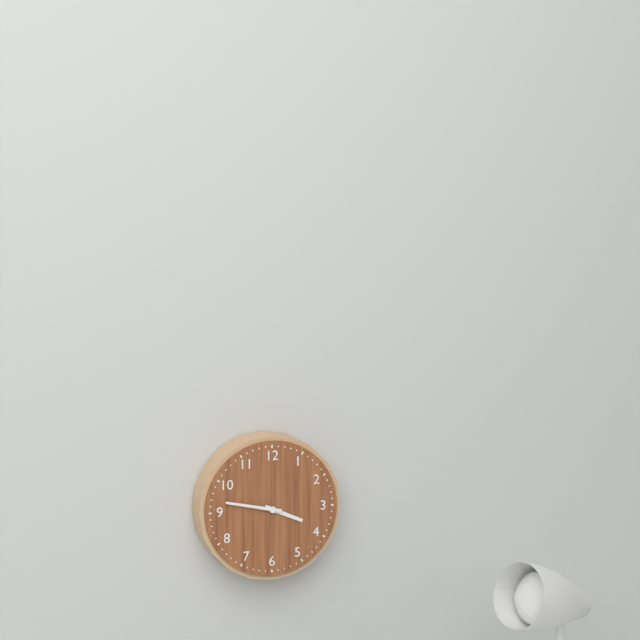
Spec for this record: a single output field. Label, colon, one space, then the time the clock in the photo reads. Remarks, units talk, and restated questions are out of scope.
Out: 3:47
